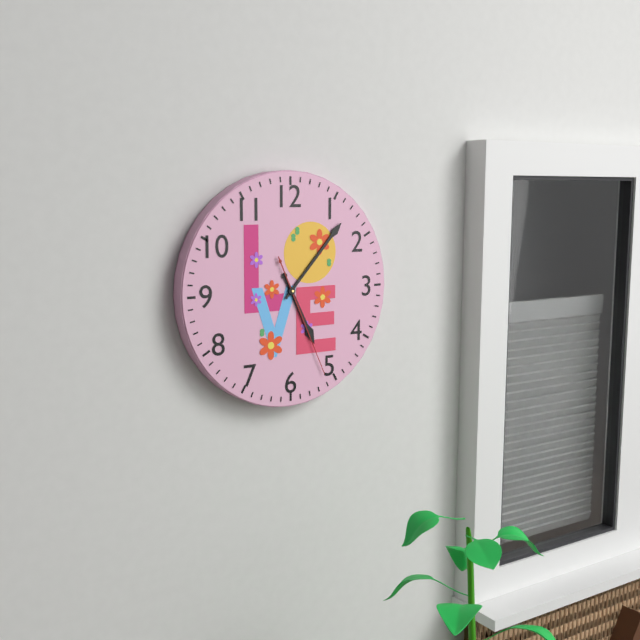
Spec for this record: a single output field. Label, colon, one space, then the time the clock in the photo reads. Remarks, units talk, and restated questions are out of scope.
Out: 5:07:26
